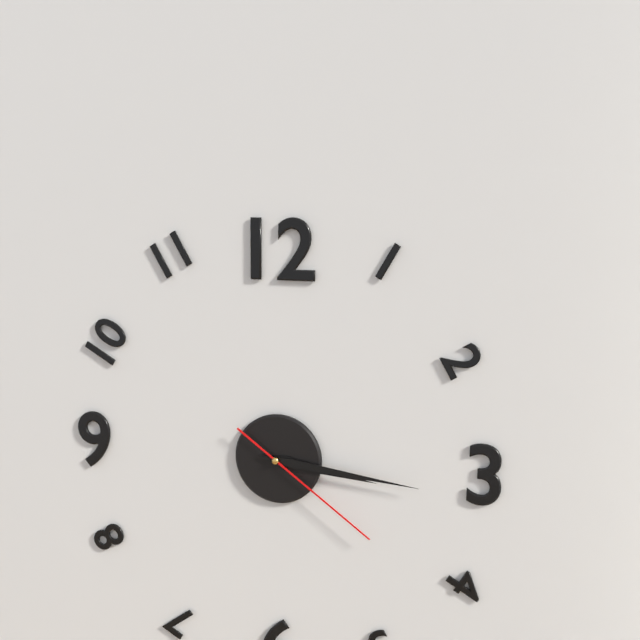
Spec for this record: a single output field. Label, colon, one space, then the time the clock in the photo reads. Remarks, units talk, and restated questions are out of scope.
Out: 3:16:21
